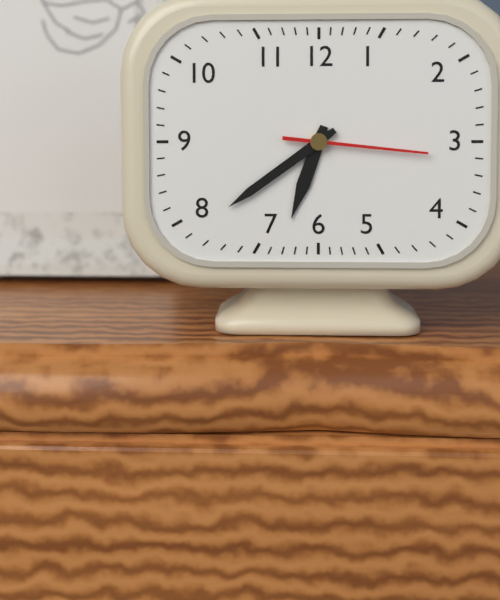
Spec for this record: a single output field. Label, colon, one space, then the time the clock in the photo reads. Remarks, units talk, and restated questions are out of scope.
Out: 6:39:16
